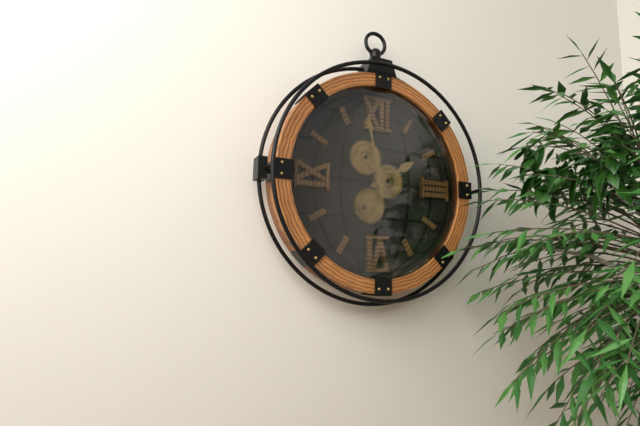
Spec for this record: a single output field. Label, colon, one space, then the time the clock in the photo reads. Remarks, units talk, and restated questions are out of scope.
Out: 1:58
